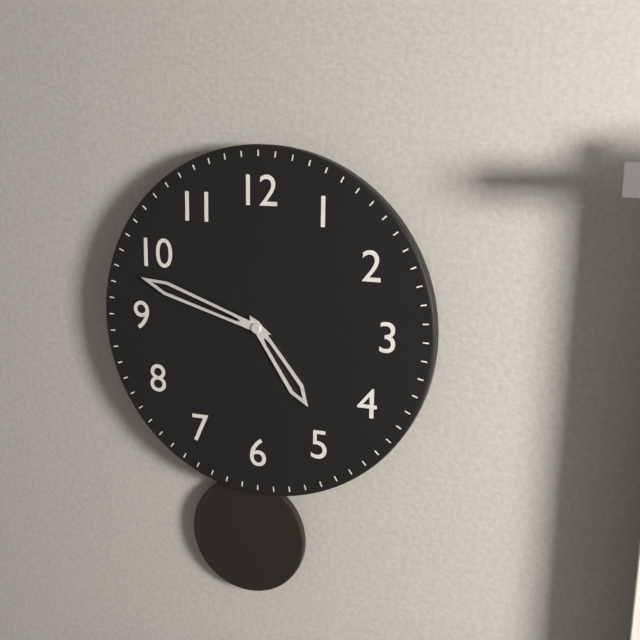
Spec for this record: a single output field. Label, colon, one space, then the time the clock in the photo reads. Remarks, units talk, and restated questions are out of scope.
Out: 4:48
